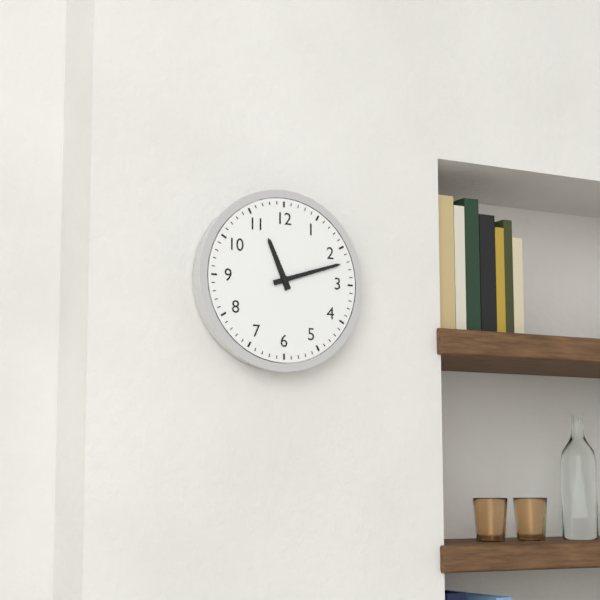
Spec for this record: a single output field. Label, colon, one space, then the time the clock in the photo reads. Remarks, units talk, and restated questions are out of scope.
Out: 11:12
